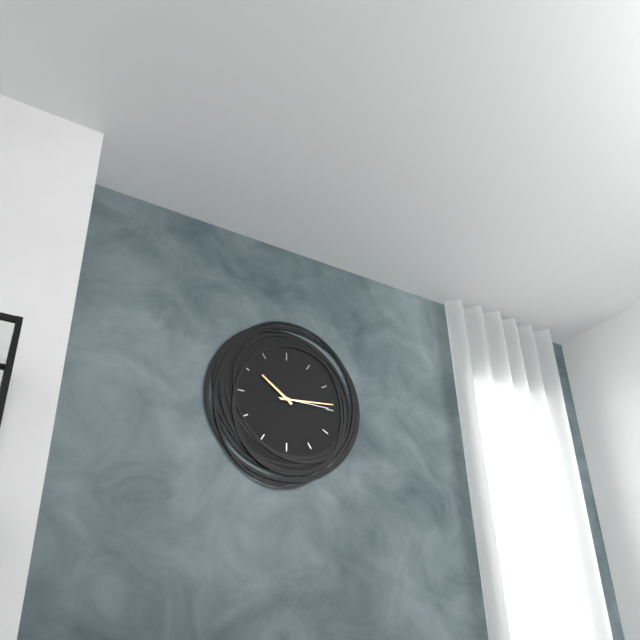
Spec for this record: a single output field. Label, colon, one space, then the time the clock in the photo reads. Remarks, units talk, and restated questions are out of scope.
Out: 10:14:15
